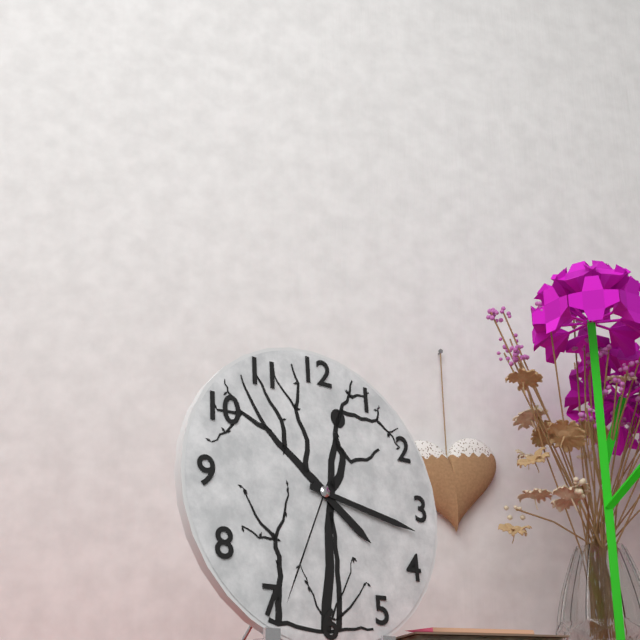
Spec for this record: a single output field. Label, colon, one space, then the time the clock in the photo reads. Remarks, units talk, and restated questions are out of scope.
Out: 4:17:34
